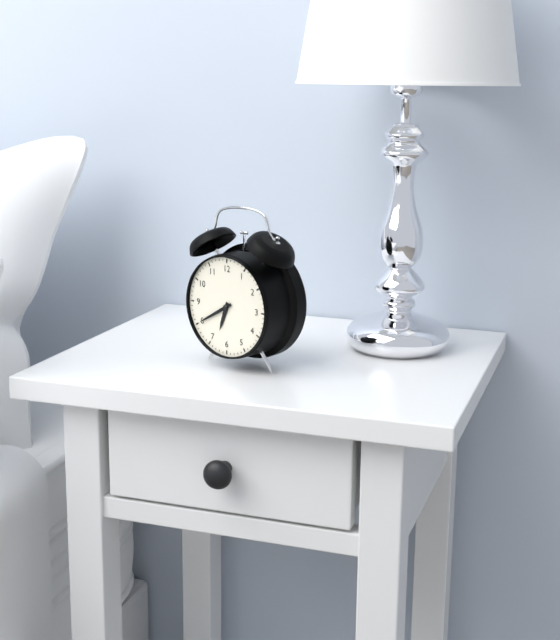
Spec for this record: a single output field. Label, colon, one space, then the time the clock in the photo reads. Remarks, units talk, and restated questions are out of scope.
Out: 6:40
